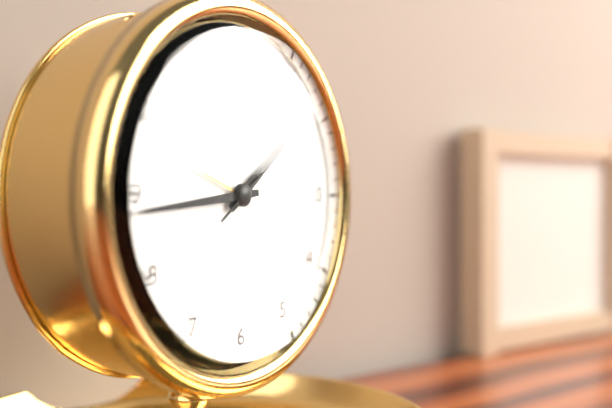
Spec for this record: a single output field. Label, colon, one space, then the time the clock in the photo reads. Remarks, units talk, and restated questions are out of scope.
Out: 1:44:09
